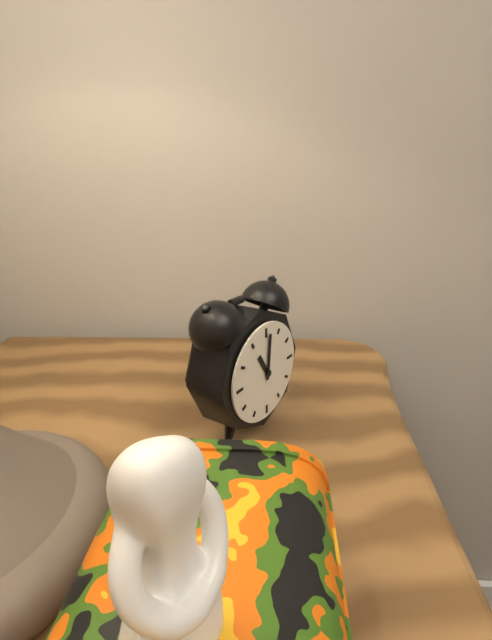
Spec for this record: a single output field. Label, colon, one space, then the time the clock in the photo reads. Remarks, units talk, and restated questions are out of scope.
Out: 11:01
